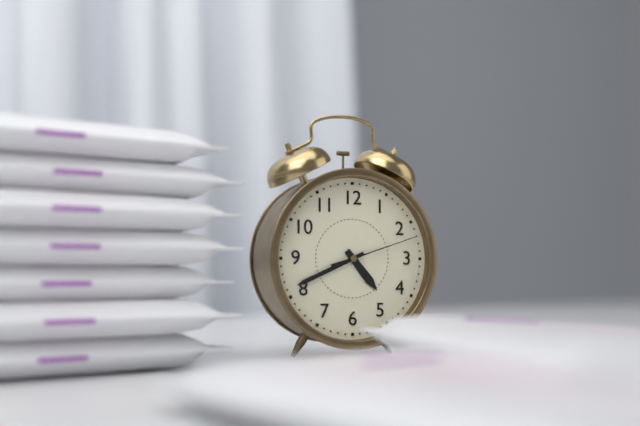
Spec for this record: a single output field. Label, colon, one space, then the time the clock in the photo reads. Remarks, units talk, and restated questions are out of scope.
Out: 4:41:12
